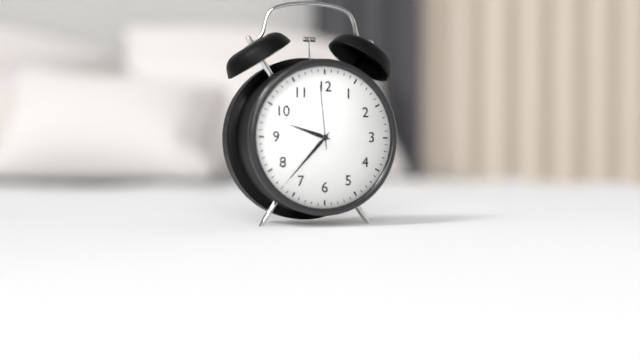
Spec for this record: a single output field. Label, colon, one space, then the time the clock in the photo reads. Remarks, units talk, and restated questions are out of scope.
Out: 9:37:59
